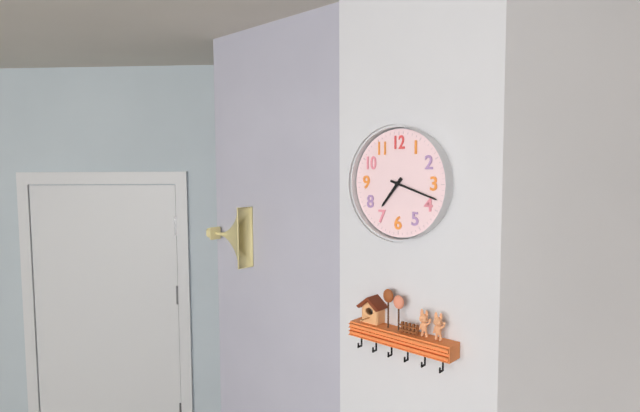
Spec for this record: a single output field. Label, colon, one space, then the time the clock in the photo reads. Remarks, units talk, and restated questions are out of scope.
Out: 7:18
